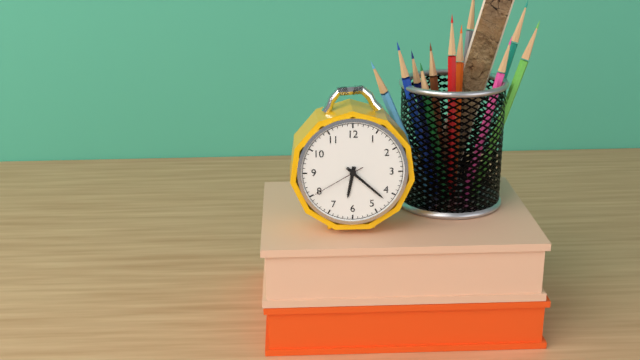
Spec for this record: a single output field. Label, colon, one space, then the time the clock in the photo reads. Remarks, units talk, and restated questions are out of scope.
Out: 6:22:40
